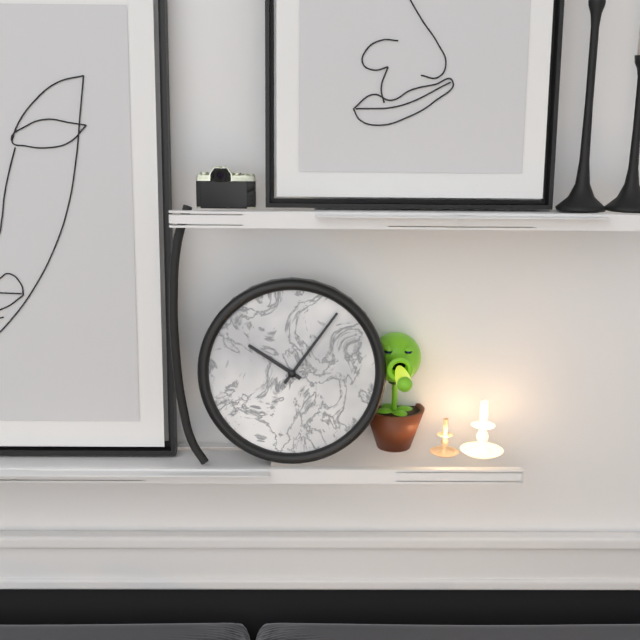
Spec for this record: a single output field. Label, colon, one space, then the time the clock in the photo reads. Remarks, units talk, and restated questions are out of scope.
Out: 10:06
